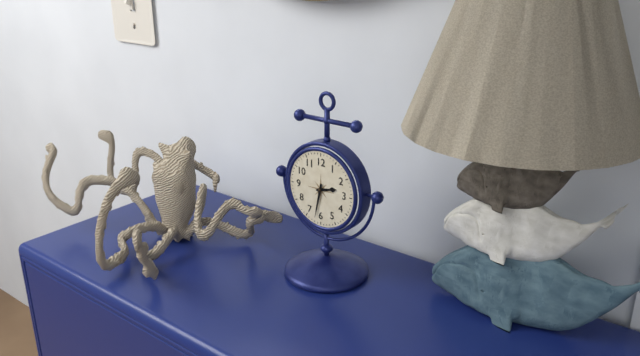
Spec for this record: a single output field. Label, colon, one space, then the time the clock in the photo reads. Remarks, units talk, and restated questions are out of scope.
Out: 2:32
